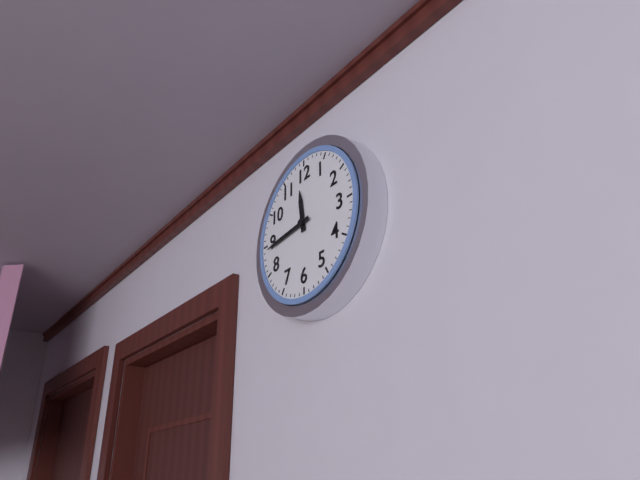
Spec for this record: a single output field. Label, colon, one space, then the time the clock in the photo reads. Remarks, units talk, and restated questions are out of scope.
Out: 11:44
